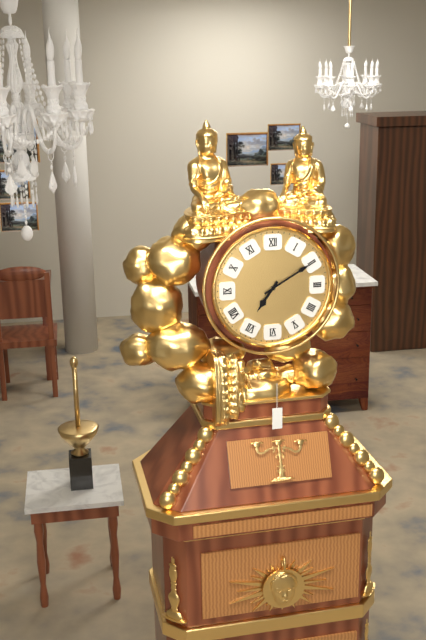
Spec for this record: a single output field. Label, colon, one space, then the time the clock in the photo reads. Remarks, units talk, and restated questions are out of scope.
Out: 7:10
